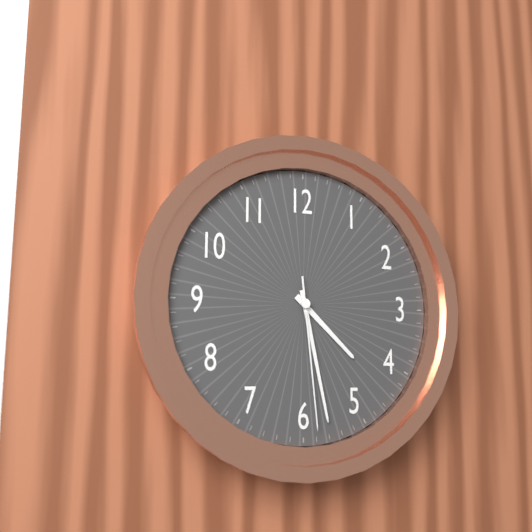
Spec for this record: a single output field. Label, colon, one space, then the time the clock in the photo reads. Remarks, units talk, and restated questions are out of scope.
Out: 4:28:29
